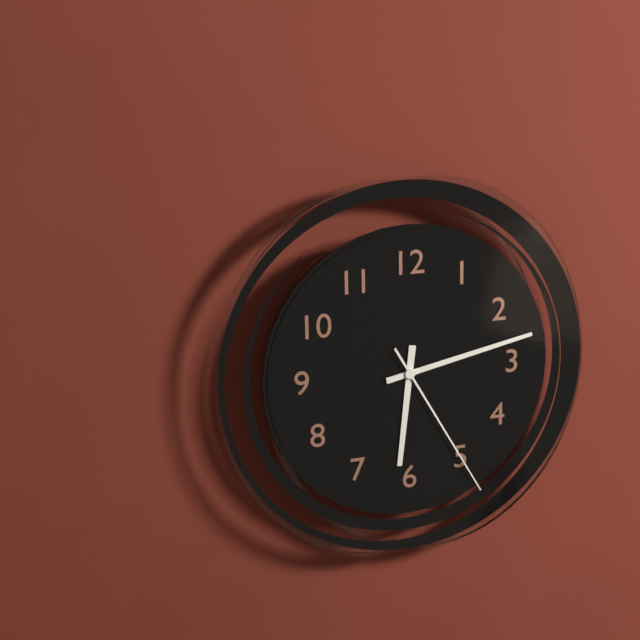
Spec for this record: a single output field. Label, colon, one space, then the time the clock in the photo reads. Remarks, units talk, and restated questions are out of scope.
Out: 6:13:25
